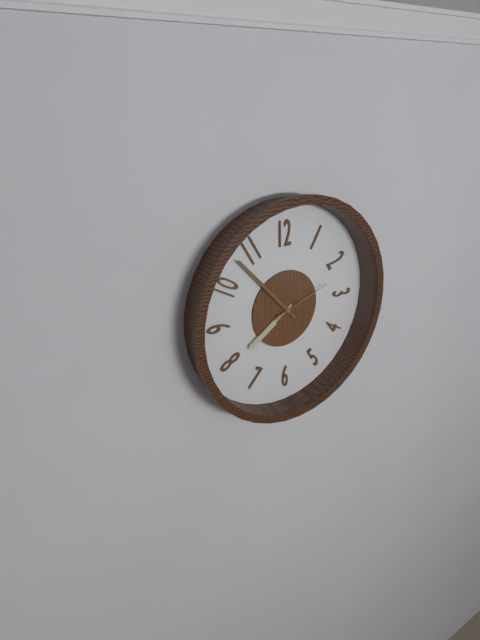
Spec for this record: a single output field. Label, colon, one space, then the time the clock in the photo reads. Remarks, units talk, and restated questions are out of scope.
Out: 7:53:12
